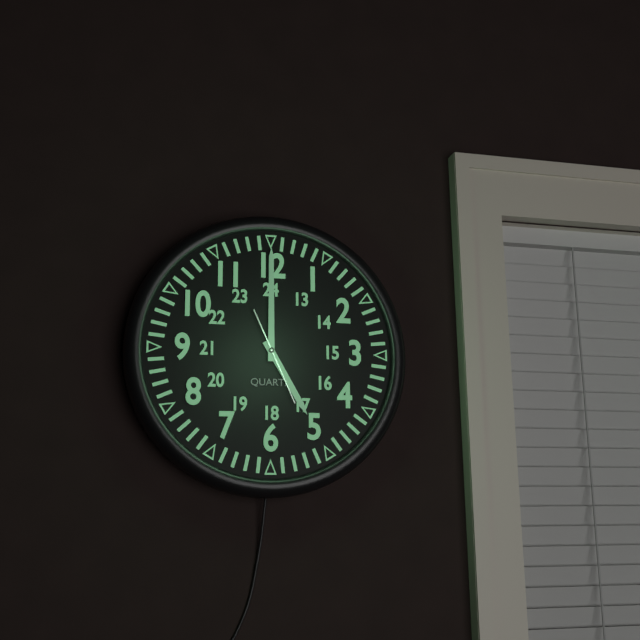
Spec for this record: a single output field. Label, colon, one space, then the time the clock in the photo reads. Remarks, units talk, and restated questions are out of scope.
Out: 5:00:26
